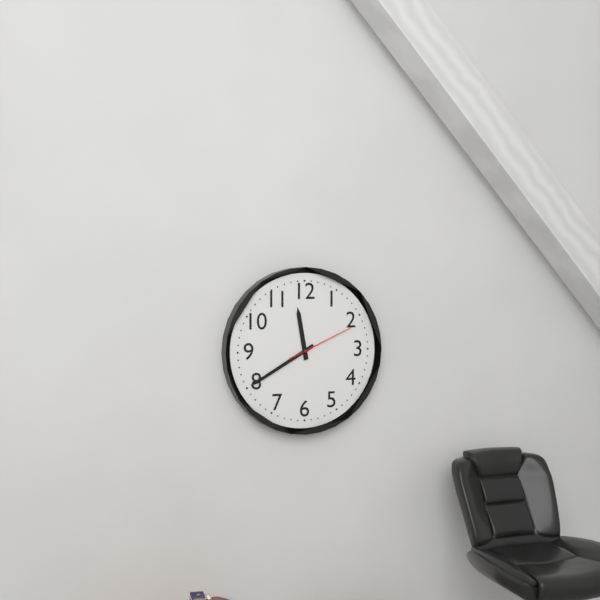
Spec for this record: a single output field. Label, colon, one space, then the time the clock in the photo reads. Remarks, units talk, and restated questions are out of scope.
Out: 11:40:11
